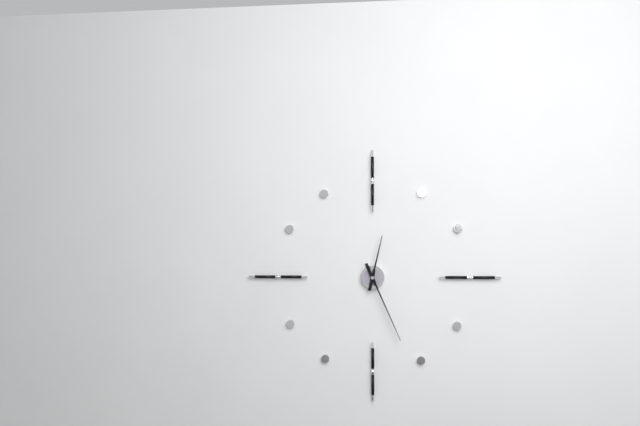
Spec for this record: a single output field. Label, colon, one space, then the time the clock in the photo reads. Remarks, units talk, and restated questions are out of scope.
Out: 12:26
